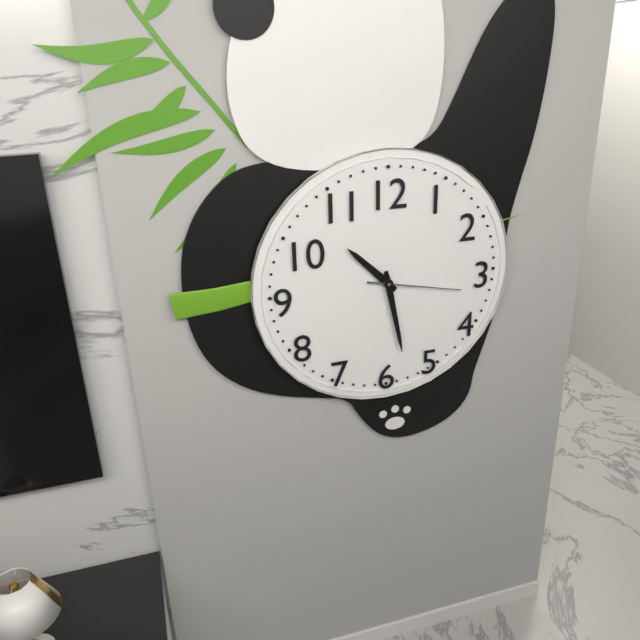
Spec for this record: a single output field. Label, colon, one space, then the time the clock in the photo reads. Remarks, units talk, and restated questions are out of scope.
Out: 10:28:17
